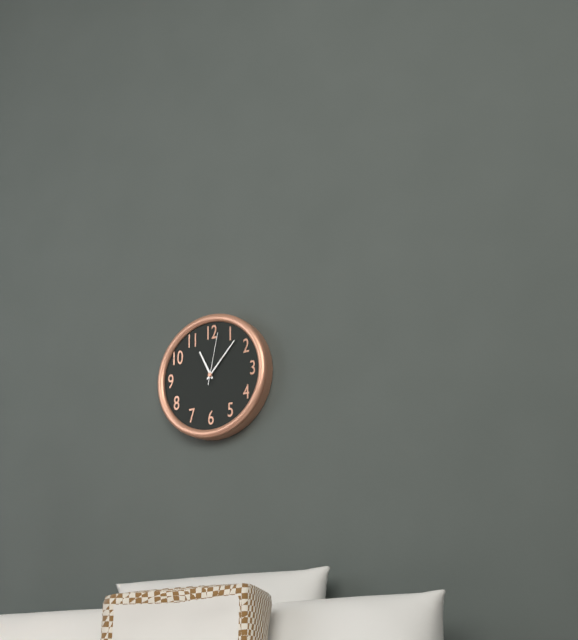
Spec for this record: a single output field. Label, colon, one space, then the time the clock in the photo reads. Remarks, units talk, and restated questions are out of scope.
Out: 11:07:02
